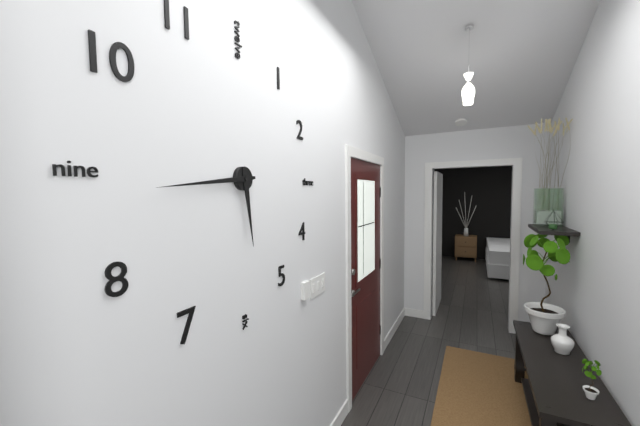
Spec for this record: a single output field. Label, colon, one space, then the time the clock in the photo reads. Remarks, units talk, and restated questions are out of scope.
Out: 5:44
